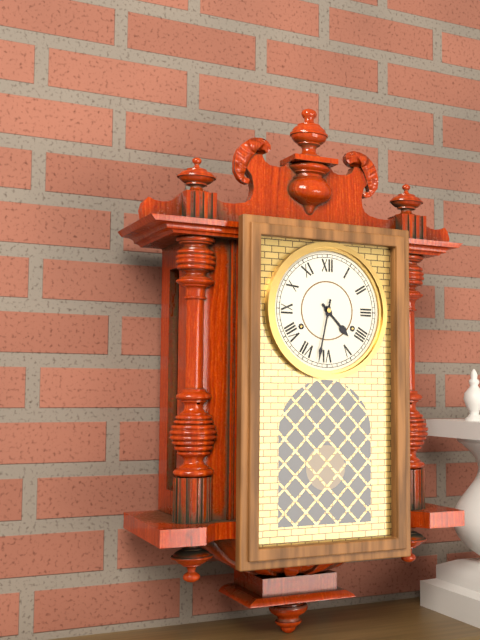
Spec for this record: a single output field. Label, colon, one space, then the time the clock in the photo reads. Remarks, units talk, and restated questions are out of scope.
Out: 4:32
